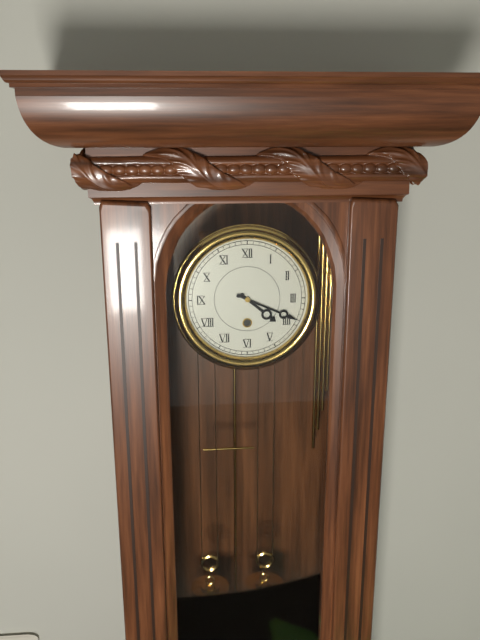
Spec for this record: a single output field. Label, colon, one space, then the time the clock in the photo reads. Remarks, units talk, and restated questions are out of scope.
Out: 4:19
